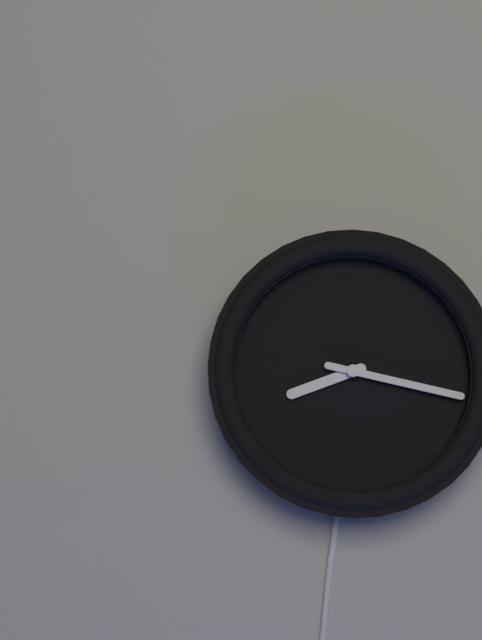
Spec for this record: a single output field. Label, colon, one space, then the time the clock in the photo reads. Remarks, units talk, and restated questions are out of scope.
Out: 8:17
